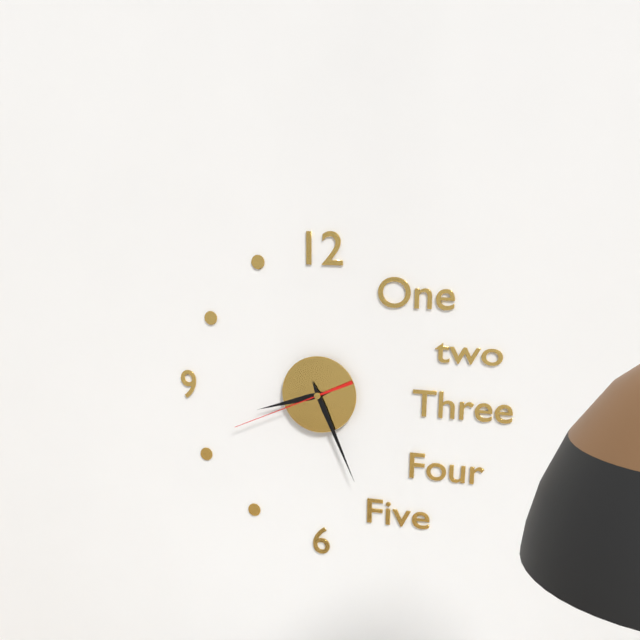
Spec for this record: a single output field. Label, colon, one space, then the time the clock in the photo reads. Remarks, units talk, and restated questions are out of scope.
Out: 8:26:41
